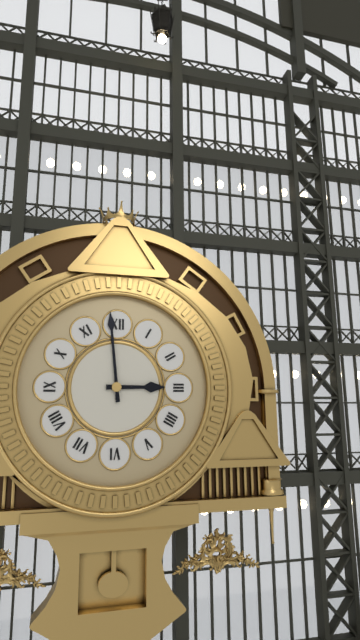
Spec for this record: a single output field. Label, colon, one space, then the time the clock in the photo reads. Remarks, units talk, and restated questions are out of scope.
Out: 2:59
